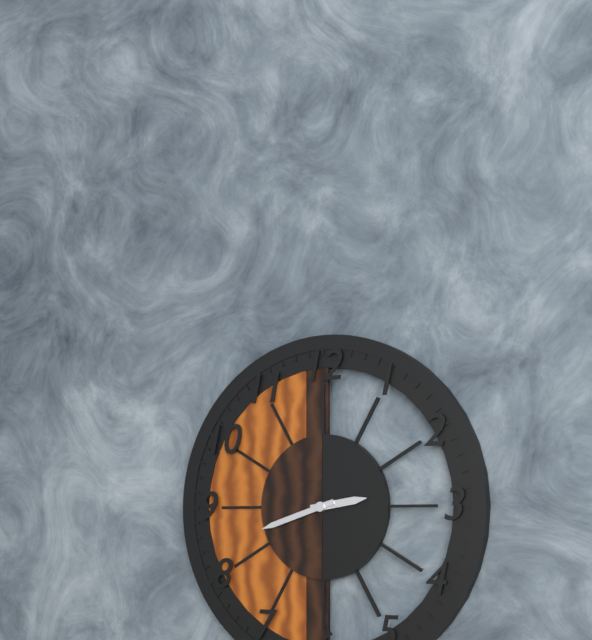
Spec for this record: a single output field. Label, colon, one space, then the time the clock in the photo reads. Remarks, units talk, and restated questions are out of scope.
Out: 2:42
